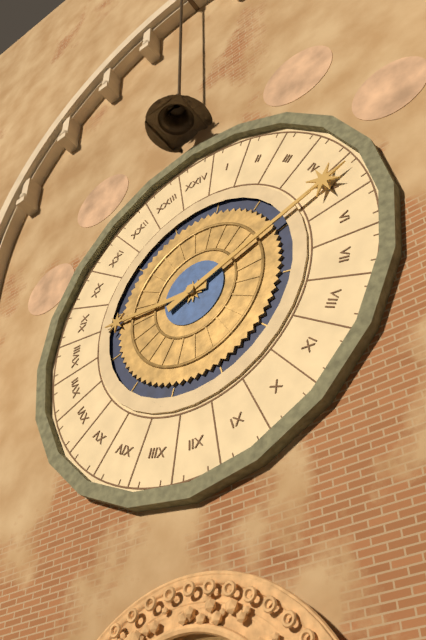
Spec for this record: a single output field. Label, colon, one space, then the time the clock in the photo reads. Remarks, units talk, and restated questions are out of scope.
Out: 9:12
